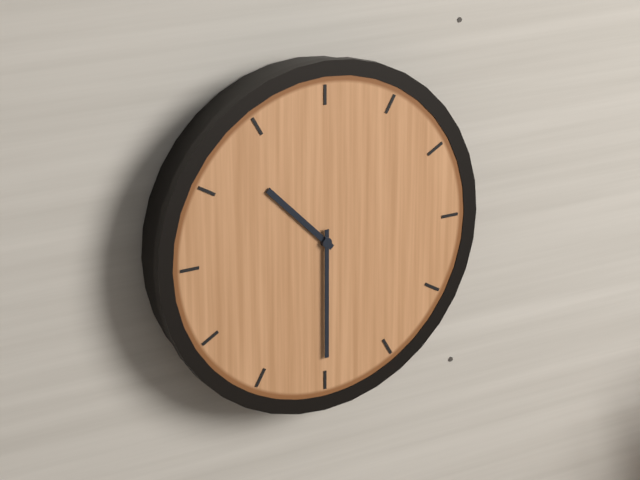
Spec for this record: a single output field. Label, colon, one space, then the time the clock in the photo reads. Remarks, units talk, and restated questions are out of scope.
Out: 10:30
